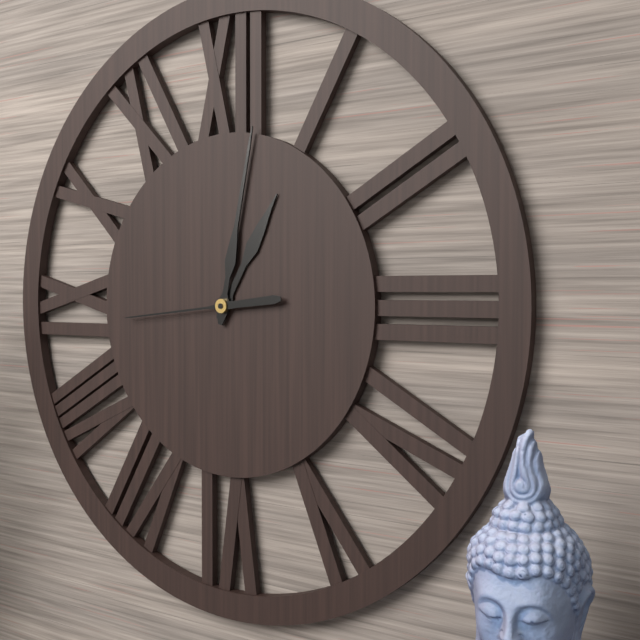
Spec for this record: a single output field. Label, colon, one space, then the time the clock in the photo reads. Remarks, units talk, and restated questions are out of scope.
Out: 1:02:44
